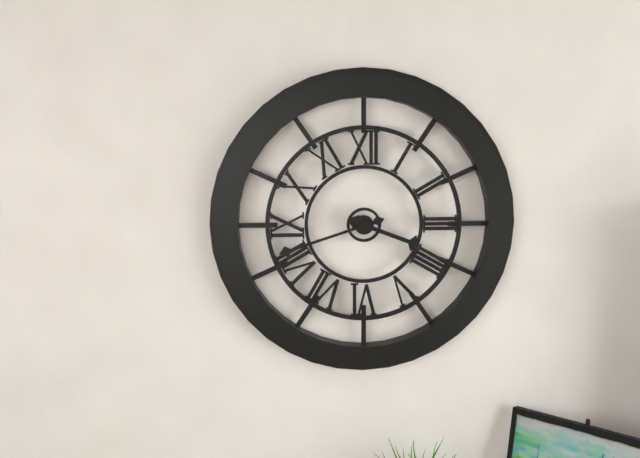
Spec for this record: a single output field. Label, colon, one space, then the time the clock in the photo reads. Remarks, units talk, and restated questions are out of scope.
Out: 3:42
